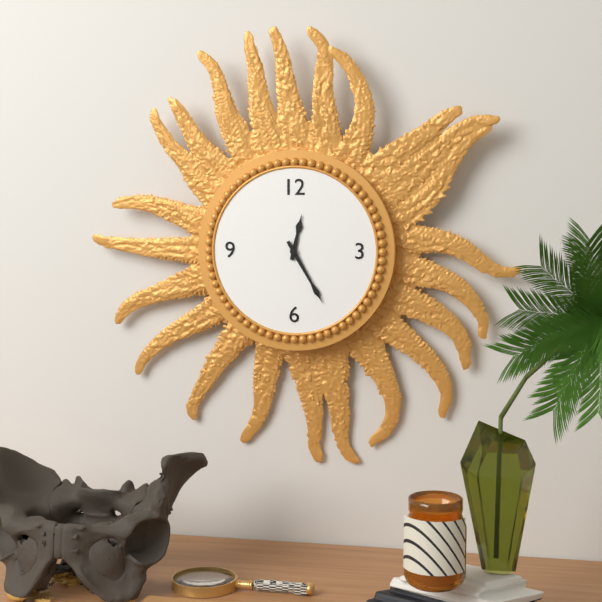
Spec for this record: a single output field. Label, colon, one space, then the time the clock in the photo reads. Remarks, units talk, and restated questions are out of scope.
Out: 12:25
